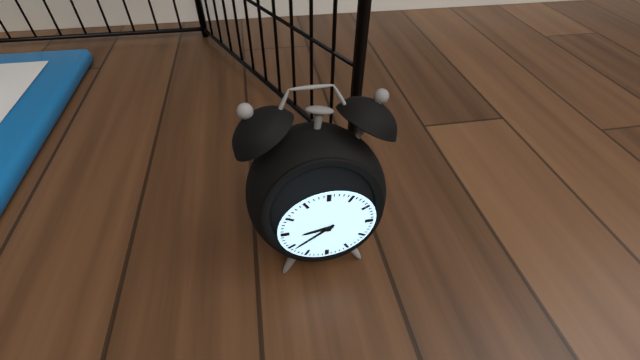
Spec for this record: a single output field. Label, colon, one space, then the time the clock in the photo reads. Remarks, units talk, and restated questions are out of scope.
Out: 8:39
